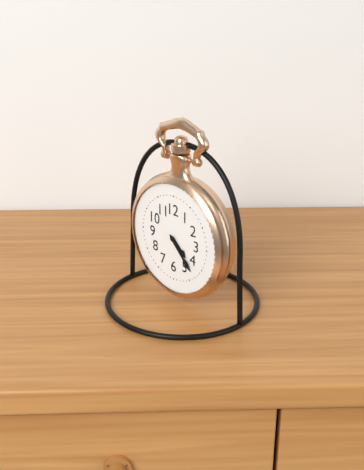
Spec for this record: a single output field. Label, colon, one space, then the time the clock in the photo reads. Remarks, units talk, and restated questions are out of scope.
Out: 4:23
